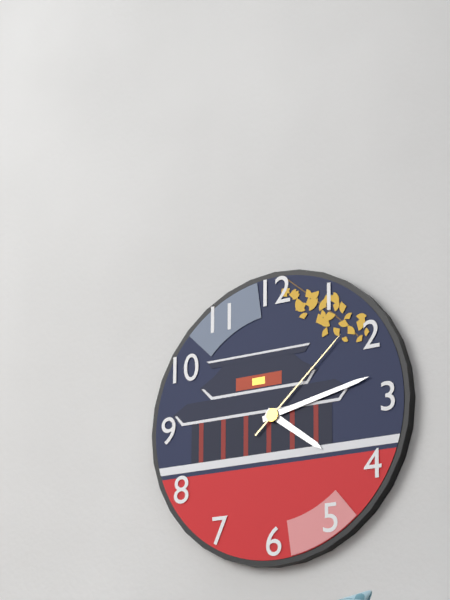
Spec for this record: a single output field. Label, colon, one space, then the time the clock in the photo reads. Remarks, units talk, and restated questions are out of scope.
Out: 4:13:08
